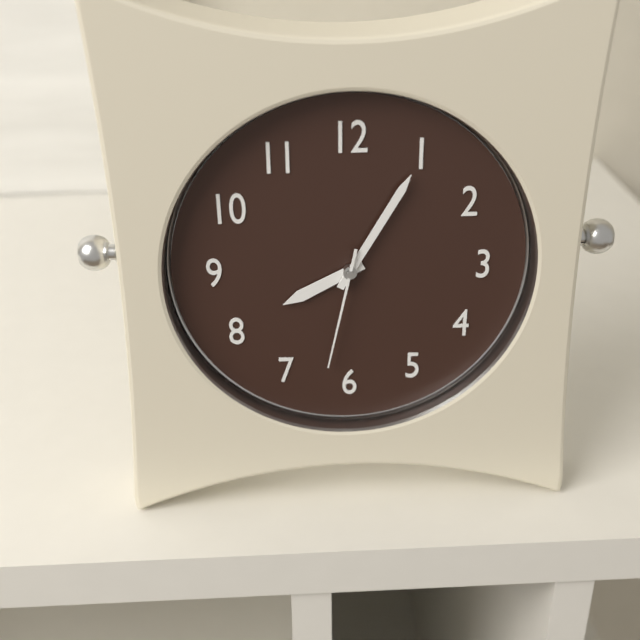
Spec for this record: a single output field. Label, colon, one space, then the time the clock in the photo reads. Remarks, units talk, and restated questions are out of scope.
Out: 8:05:32
